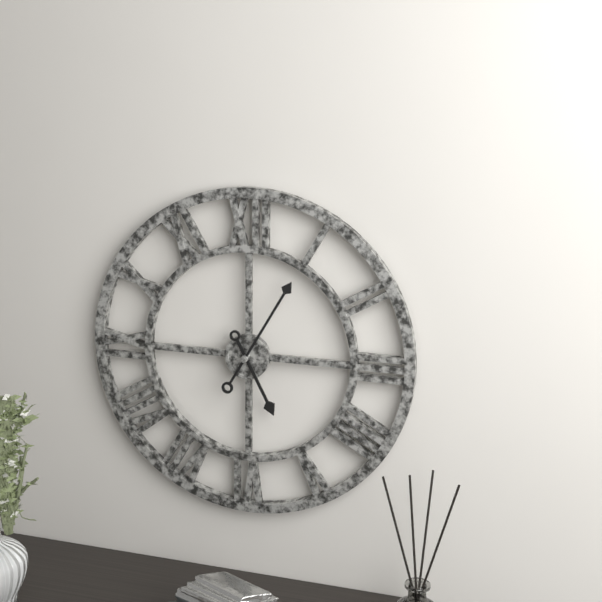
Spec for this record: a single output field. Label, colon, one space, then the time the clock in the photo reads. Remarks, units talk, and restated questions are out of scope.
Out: 5:05
